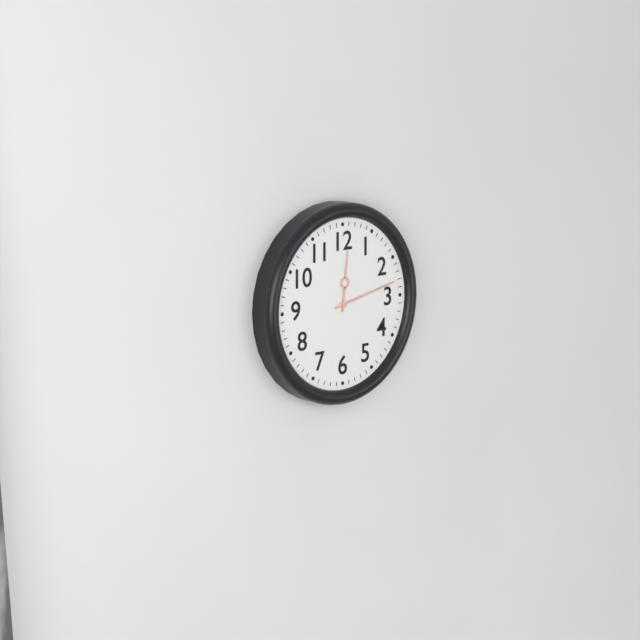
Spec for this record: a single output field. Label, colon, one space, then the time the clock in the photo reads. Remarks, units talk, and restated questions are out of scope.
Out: 12:13
